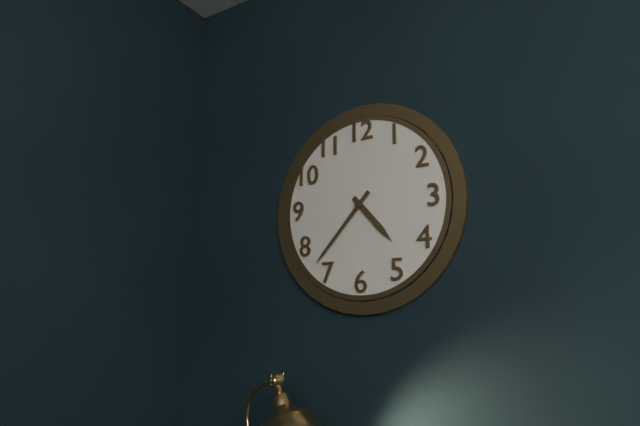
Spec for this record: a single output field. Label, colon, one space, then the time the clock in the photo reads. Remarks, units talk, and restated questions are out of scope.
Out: 4:37
